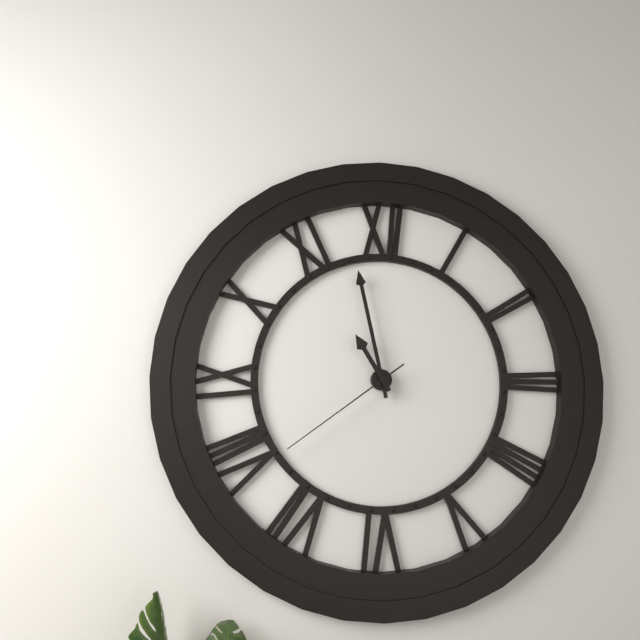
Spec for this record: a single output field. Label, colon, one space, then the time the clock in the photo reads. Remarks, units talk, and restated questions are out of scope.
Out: 10:58:39
